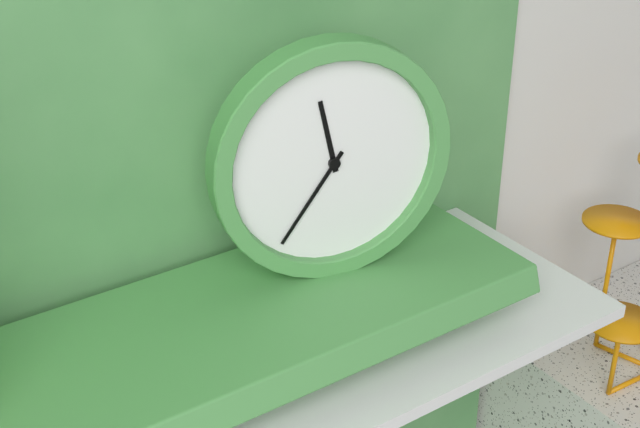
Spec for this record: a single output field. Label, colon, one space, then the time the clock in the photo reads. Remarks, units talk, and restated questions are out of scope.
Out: 11:36
